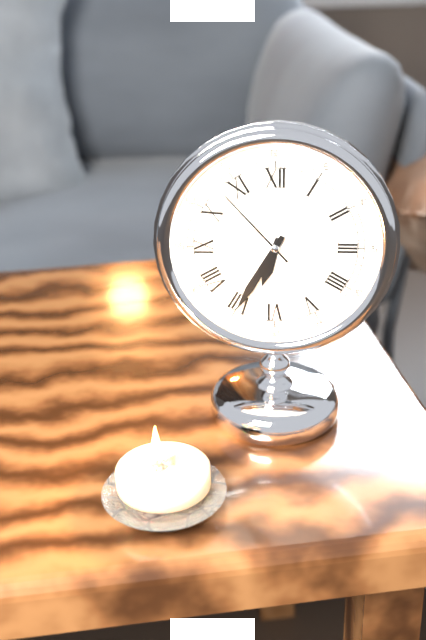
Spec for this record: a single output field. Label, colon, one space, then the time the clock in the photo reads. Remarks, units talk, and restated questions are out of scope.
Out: 6:35:53
